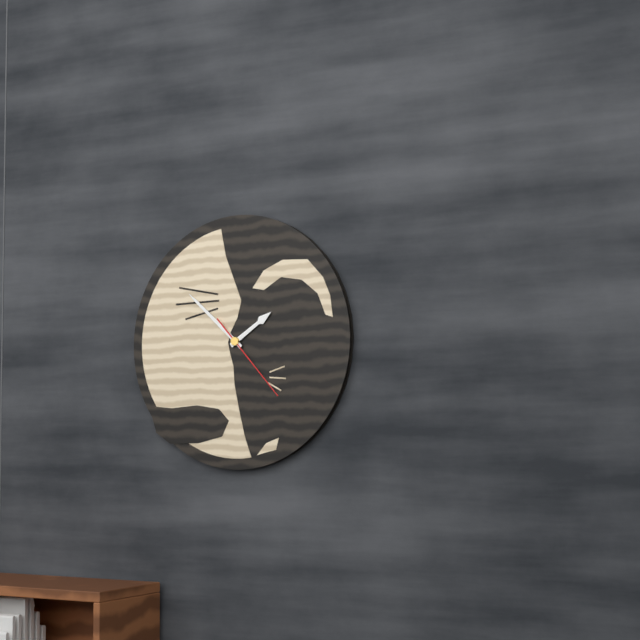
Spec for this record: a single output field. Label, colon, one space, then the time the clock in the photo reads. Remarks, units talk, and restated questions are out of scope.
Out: 1:52:23
